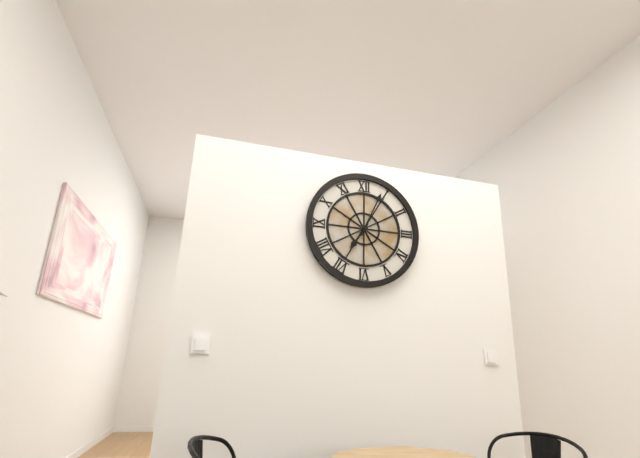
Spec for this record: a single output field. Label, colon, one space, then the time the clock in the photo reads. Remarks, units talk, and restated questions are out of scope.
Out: 7:04
